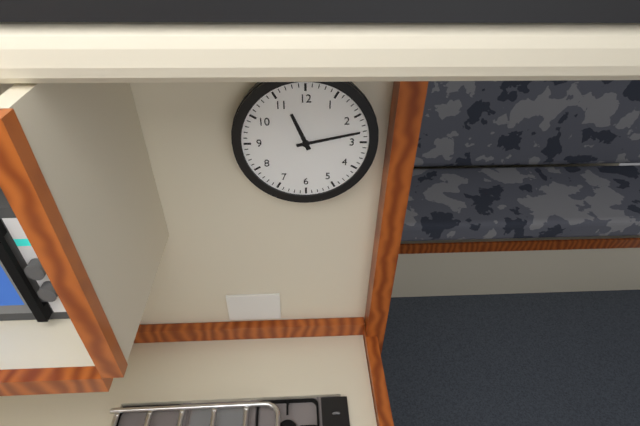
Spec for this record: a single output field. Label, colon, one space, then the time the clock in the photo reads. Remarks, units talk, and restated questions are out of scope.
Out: 11:13
